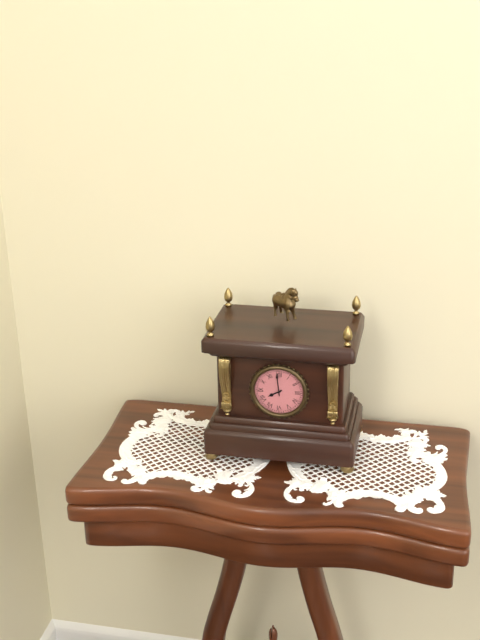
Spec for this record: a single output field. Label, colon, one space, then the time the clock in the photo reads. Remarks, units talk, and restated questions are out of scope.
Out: 7:59
